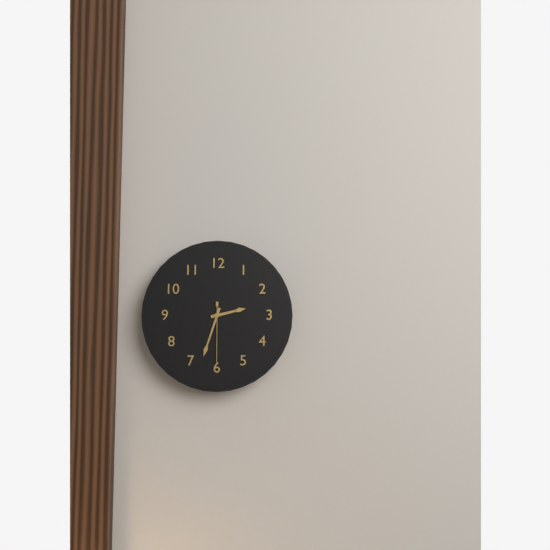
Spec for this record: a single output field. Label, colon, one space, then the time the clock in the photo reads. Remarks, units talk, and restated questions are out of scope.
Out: 2:33:30
